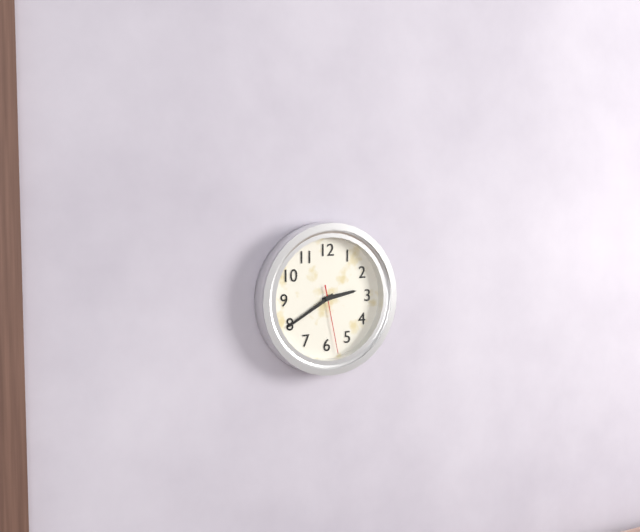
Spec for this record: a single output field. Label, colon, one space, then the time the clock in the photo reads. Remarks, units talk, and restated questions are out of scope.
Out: 2:40:28
